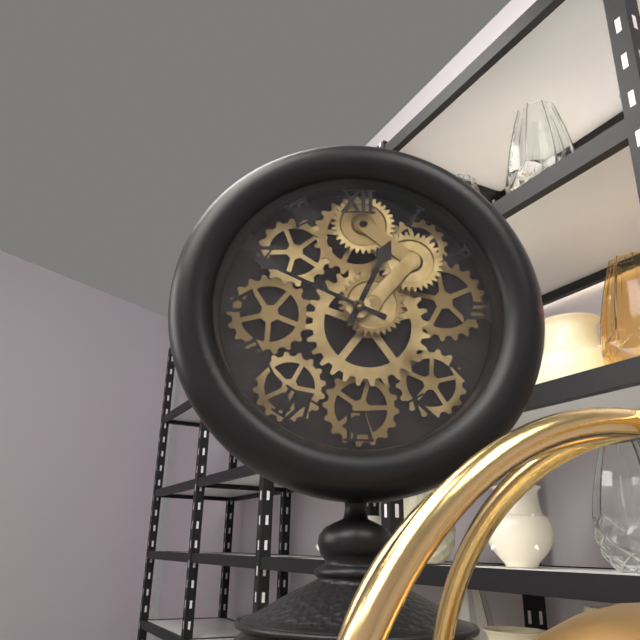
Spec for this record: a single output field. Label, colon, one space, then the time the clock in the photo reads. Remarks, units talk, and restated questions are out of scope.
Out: 12:49
